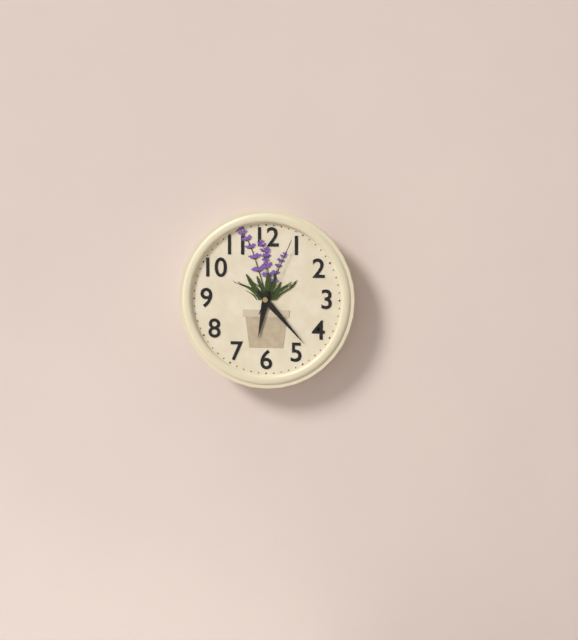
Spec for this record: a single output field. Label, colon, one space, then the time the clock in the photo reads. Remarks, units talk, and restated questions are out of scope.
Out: 6:23:04
